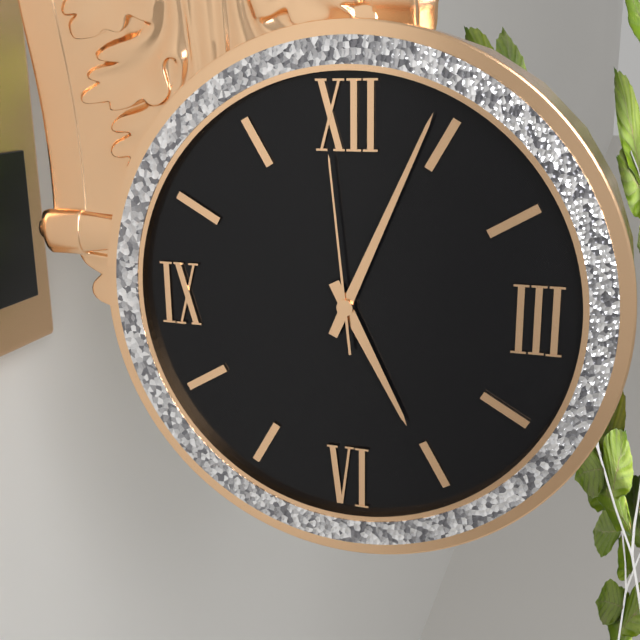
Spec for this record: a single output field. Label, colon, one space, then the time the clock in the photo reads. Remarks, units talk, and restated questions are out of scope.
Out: 5:04:59
